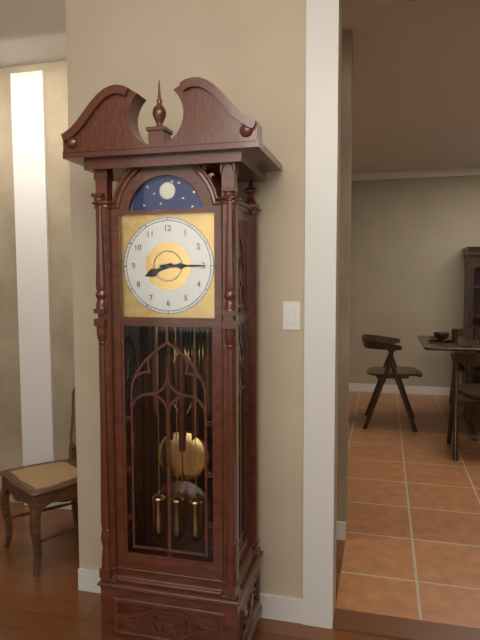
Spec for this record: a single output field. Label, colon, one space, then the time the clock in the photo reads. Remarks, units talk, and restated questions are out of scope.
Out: 8:15
